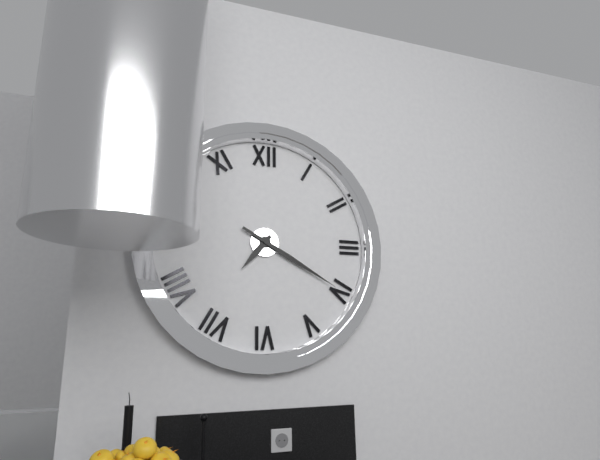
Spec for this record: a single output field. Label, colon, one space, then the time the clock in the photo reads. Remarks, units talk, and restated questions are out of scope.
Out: 7:20
